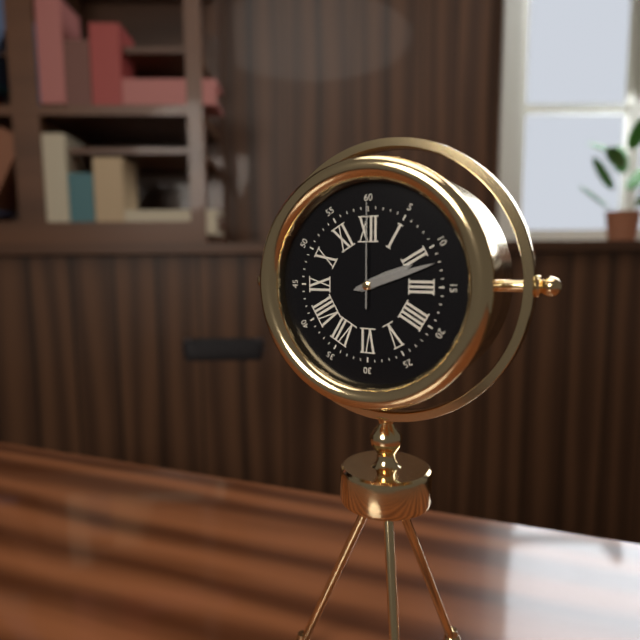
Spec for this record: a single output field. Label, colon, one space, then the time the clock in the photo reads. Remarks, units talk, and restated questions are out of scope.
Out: 2:12:00
